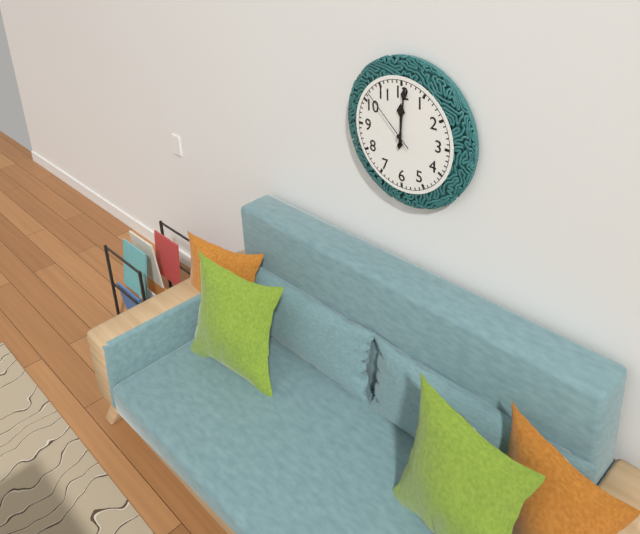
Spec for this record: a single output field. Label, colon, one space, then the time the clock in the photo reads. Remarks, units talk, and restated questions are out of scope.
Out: 12:01:52
